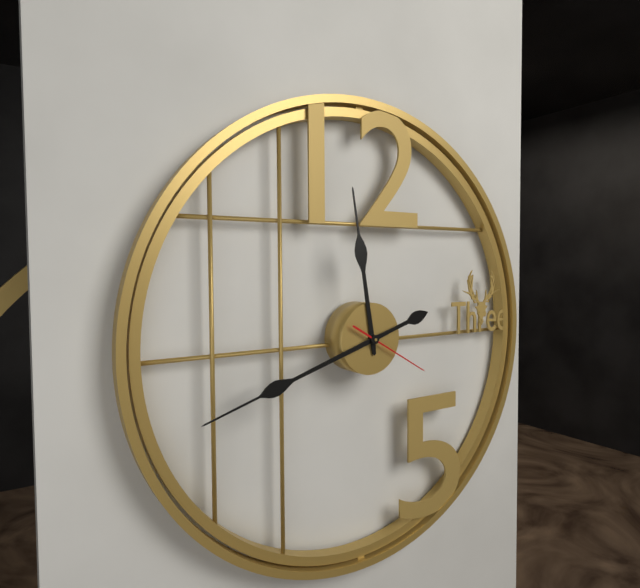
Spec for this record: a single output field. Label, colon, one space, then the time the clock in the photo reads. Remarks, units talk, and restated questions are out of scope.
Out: 11:42:20
